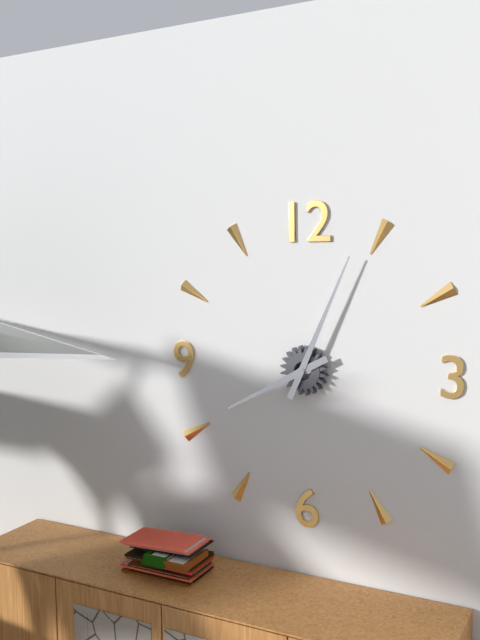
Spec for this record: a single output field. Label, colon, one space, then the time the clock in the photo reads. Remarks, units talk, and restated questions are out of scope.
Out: 8:04
